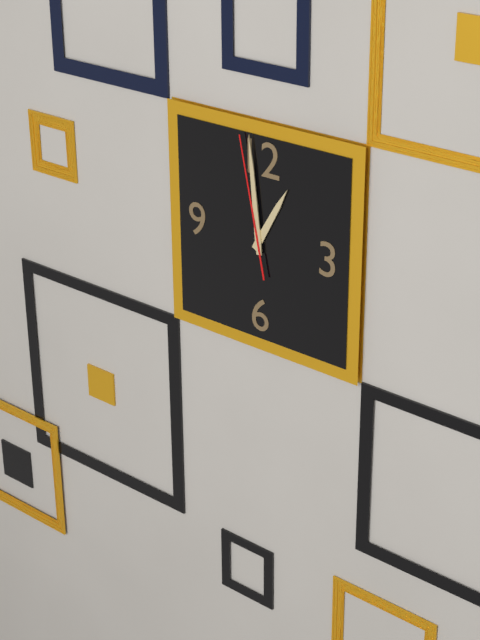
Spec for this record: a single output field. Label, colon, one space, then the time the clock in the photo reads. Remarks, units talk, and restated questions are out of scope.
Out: 12:59:58
